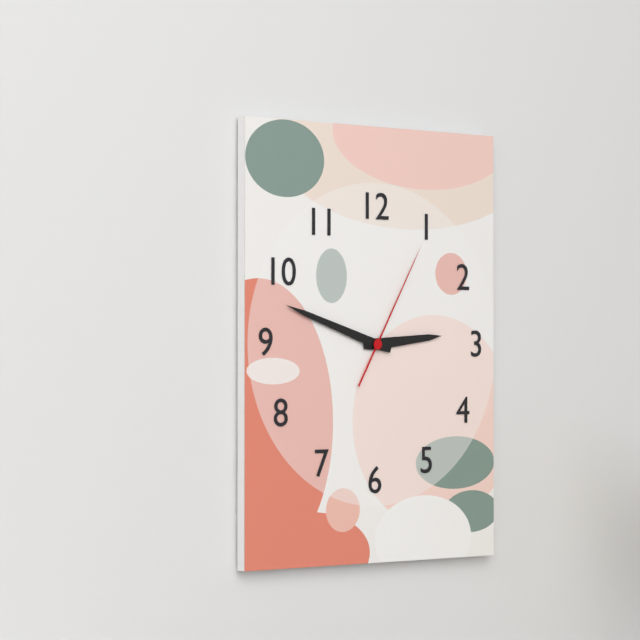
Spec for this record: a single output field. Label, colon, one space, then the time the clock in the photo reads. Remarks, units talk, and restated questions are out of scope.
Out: 2:48:05
